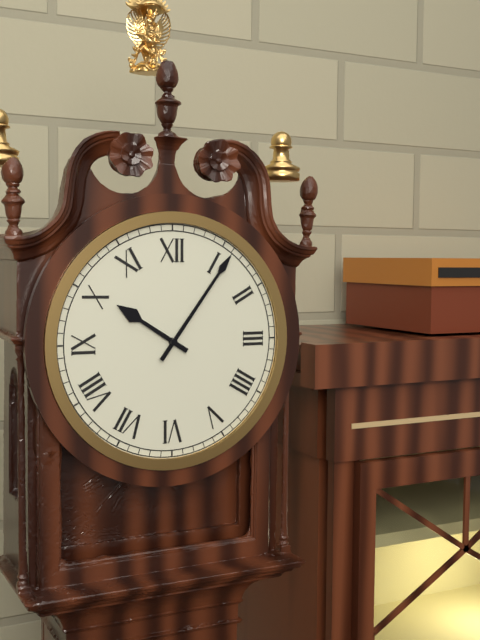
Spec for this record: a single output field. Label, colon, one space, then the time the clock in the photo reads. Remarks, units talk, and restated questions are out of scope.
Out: 10:06
